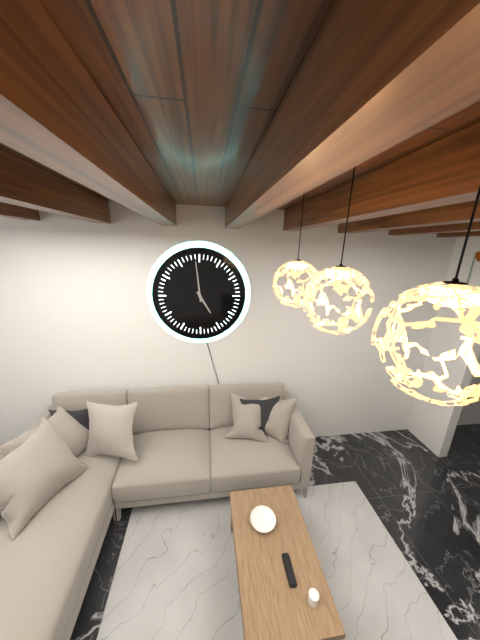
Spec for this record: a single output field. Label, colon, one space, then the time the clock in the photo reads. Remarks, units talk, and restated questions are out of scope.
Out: 4:59
